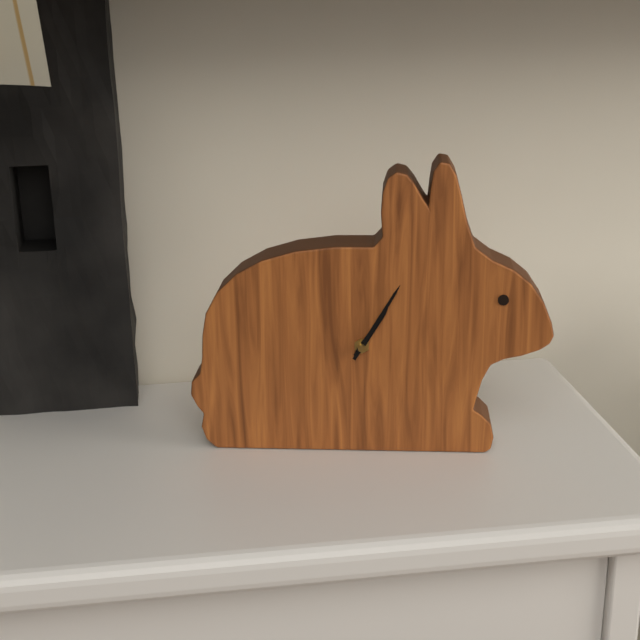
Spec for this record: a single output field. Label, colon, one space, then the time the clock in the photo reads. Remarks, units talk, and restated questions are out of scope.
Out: 1:05
